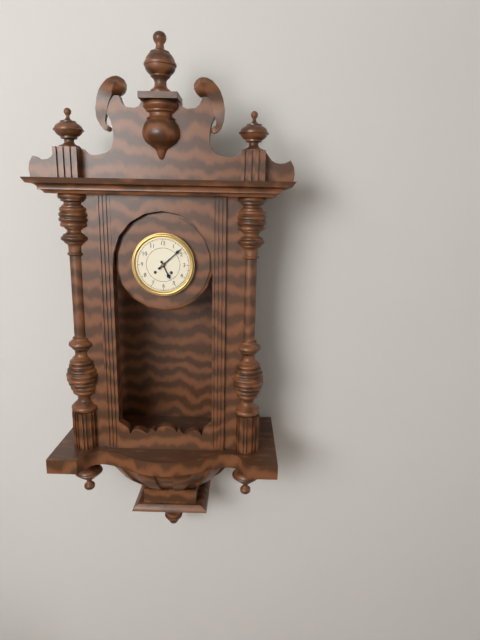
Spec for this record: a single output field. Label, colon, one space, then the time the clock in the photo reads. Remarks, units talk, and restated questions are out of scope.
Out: 5:08
